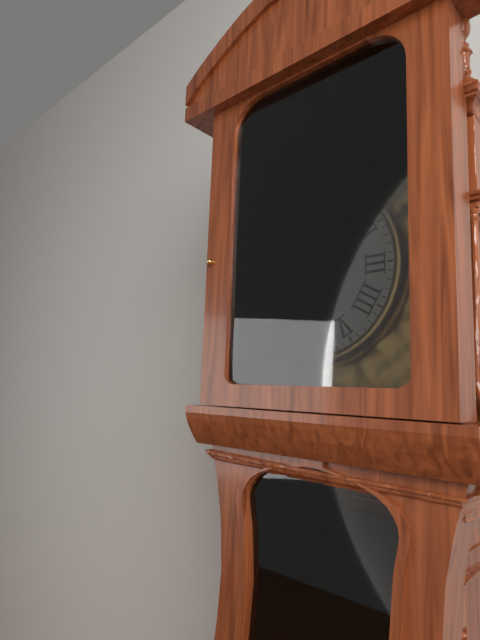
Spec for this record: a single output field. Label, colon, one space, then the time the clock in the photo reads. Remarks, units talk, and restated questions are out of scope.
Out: 2:40
